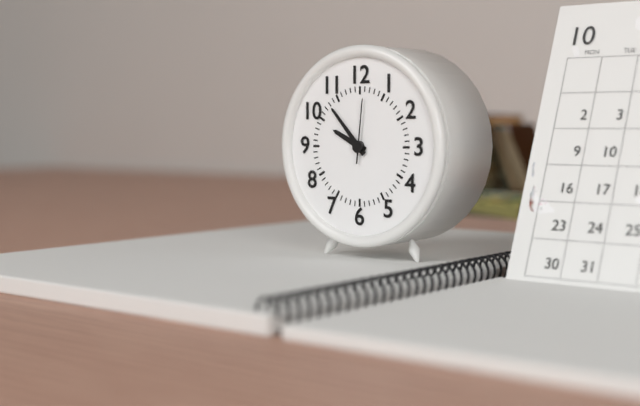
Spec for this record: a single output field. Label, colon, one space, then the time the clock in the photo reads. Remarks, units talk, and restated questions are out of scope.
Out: 9:53:01
